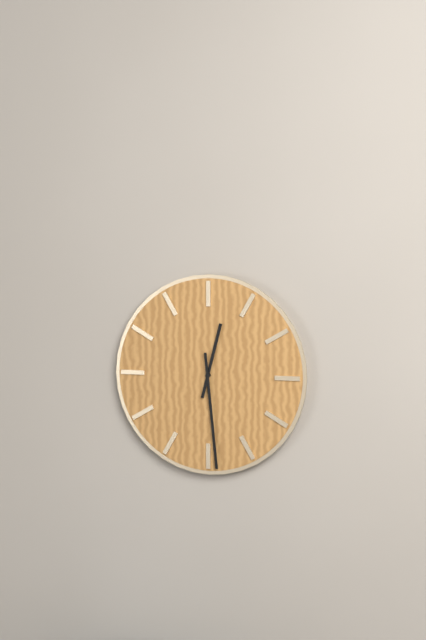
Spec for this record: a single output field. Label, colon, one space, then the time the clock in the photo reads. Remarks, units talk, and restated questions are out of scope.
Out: 12:29
